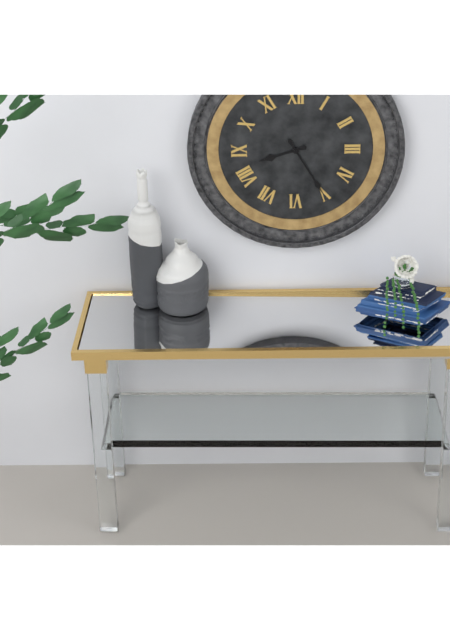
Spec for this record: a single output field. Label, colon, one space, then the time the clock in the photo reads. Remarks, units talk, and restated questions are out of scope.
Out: 8:25
